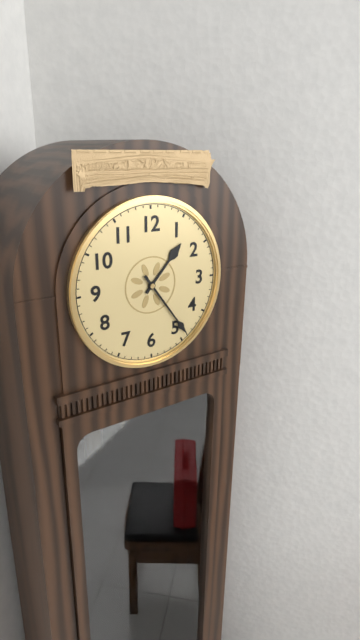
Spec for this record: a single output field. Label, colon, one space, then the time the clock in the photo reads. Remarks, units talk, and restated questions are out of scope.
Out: 1:24
